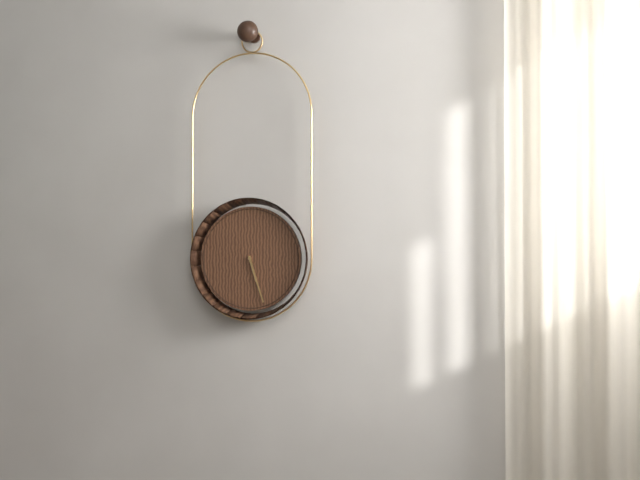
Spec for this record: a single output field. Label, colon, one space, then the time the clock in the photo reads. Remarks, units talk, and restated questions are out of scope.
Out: 5:27
